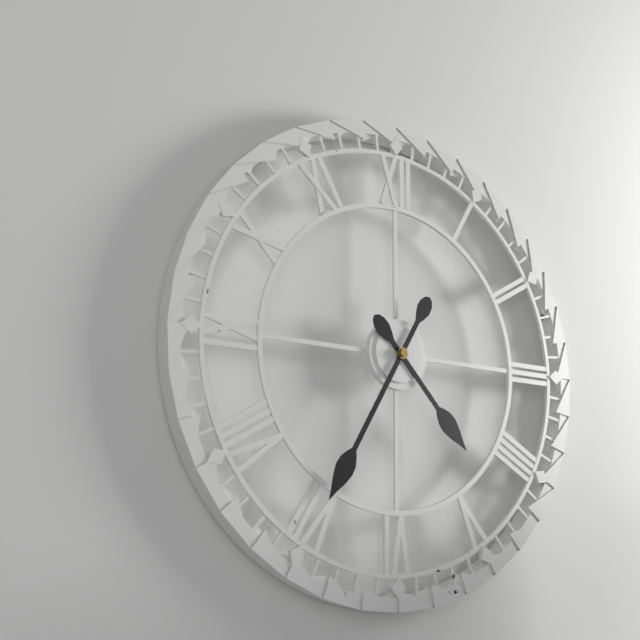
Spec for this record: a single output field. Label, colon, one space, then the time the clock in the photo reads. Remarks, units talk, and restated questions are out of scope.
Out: 4:35
